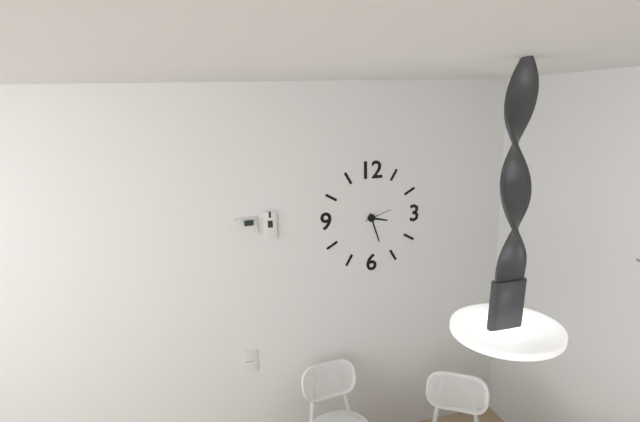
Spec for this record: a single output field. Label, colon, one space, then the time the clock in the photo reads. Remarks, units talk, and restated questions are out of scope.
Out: 3:27
